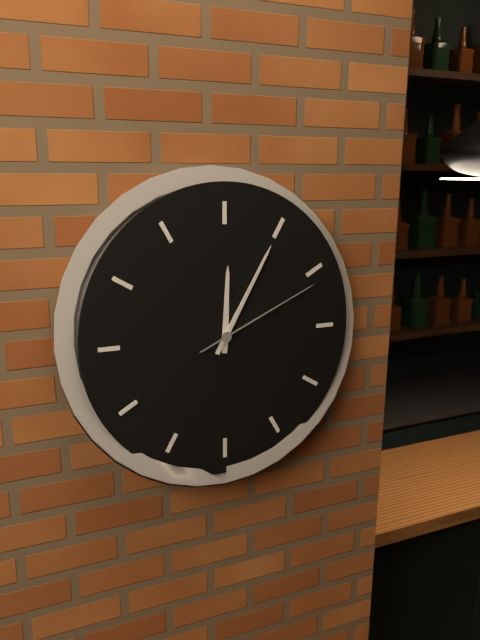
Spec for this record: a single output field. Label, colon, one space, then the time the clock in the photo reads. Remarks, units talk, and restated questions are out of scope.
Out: 12:05:11
